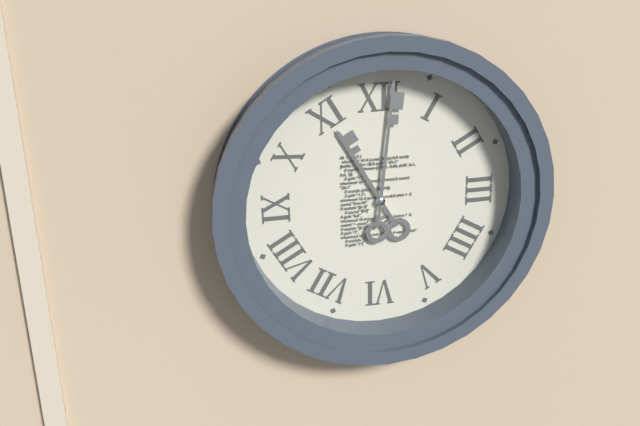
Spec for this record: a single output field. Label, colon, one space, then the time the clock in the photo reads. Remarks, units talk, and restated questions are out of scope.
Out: 11:01
